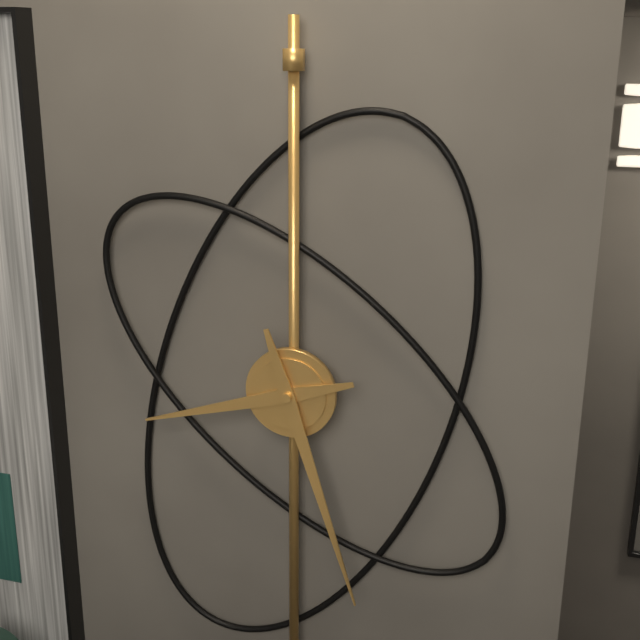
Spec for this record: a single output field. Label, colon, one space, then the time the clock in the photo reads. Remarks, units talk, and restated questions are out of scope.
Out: 8:27
